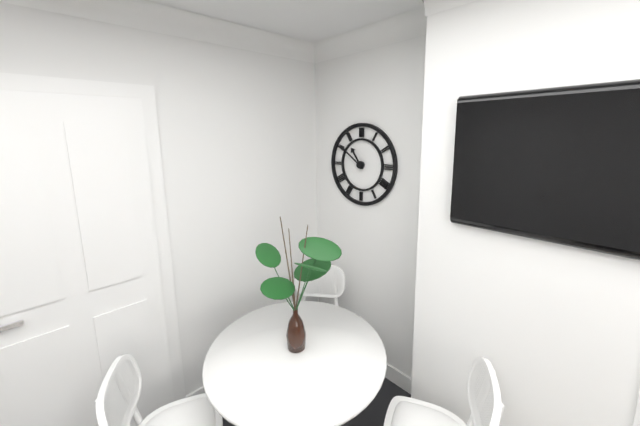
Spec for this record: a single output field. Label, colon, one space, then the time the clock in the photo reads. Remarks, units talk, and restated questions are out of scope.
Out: 10:51
